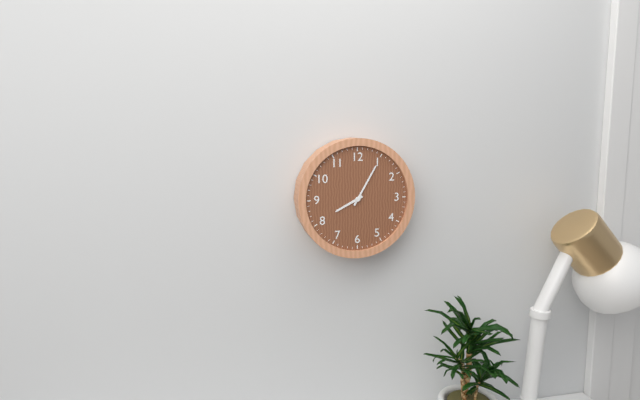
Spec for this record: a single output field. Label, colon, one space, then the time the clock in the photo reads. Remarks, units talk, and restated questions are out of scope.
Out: 8:05
